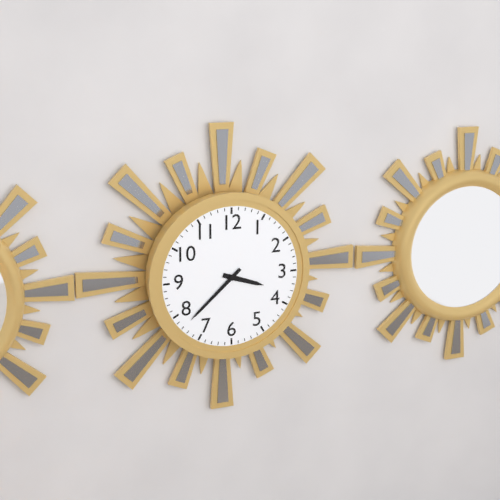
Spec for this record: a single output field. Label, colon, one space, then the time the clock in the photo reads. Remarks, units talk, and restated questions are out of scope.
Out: 3:38
